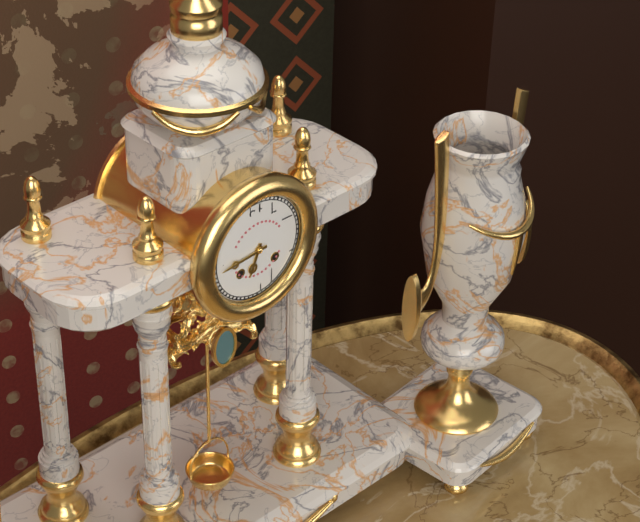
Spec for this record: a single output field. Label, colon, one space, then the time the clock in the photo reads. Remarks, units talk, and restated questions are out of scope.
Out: 6:44
